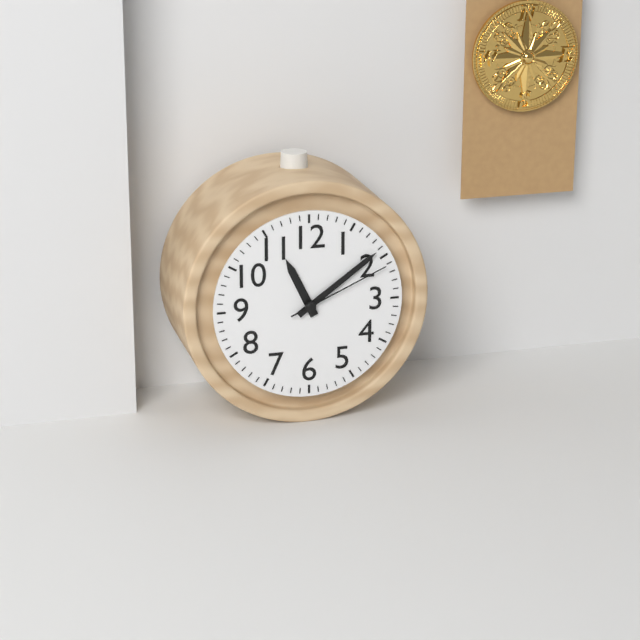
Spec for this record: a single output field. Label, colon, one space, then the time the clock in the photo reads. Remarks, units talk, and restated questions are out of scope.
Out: 11:09:11
